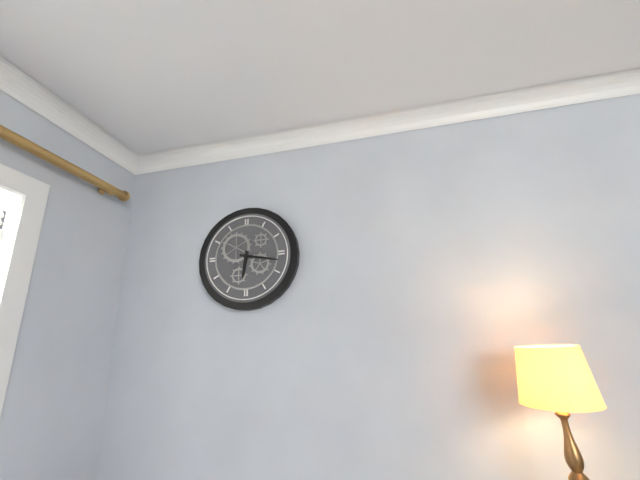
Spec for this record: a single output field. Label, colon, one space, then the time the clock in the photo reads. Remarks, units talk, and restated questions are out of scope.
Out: 6:17
